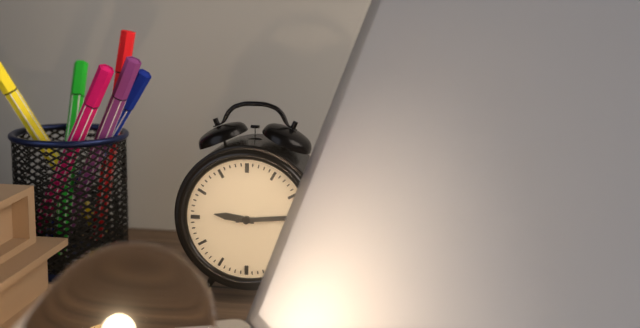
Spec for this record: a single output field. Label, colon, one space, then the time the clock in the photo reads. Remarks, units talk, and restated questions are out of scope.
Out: 9:14
